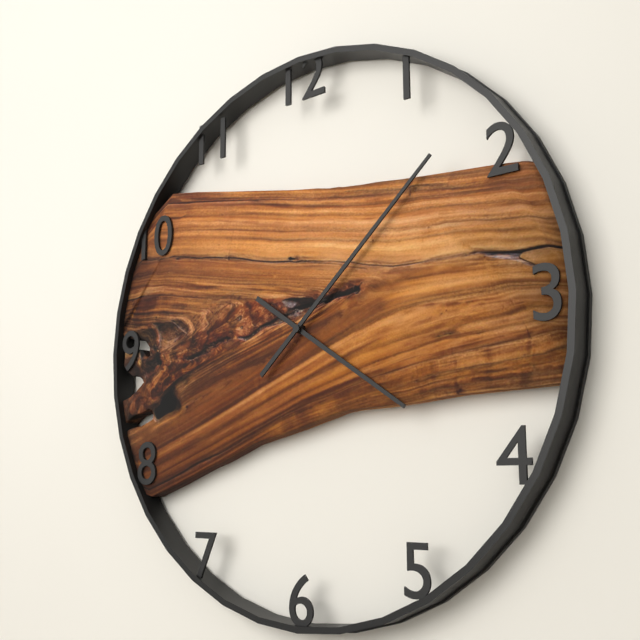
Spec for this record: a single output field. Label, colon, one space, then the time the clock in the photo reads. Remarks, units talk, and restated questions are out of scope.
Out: 4:08
